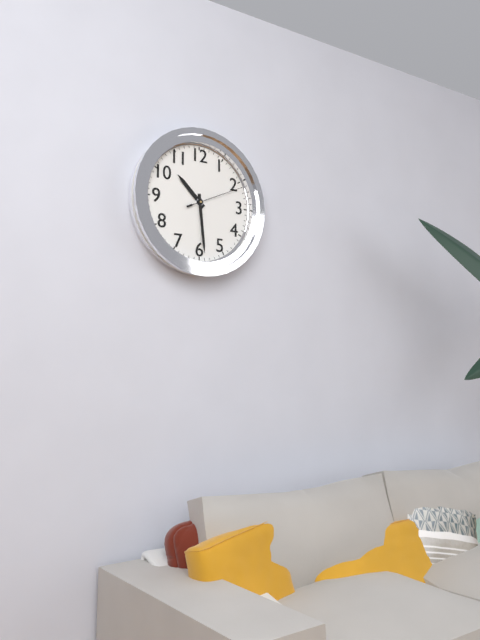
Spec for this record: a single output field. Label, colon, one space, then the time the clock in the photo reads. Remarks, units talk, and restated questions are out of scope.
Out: 10:29:11
